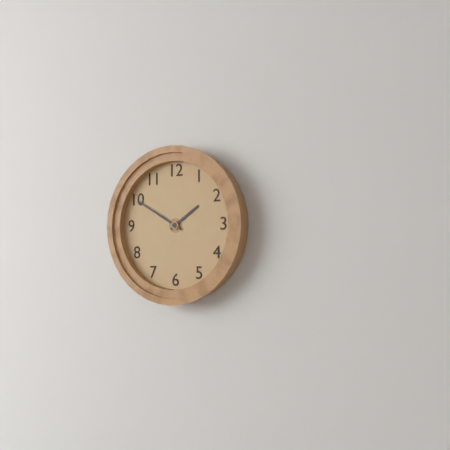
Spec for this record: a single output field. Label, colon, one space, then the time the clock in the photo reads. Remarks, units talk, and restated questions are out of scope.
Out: 1:50
